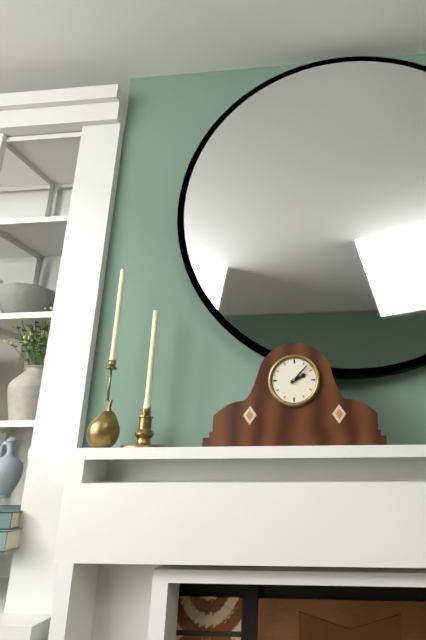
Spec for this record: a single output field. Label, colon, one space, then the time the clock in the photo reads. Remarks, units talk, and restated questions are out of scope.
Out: 2:07
